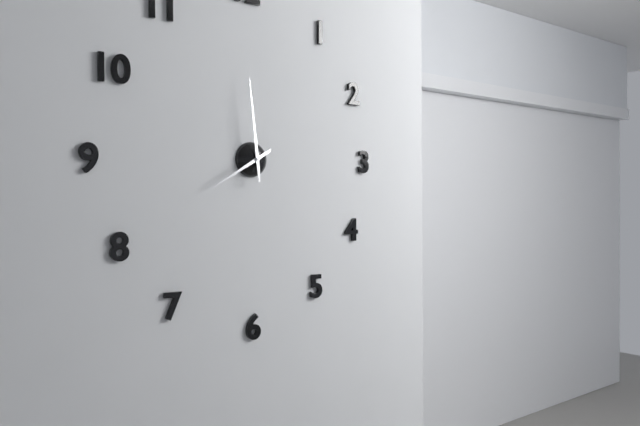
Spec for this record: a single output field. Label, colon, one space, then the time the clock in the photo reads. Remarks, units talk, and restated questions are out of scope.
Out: 7:59
